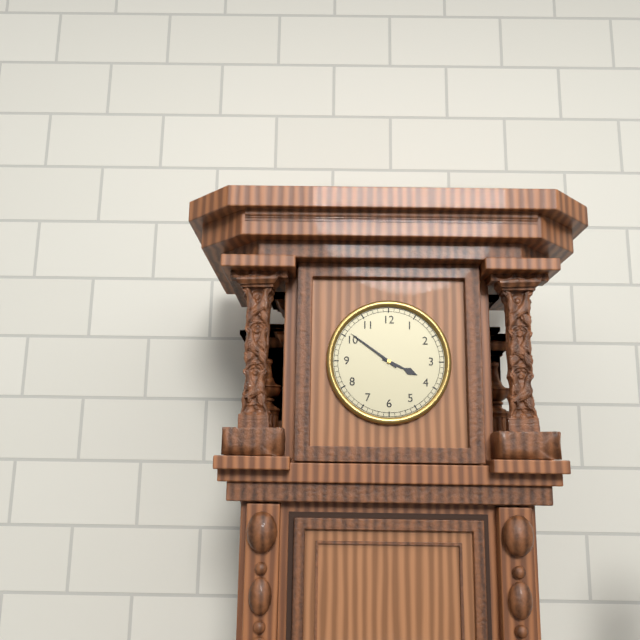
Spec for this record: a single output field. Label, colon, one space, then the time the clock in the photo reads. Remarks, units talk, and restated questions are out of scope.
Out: 3:51
